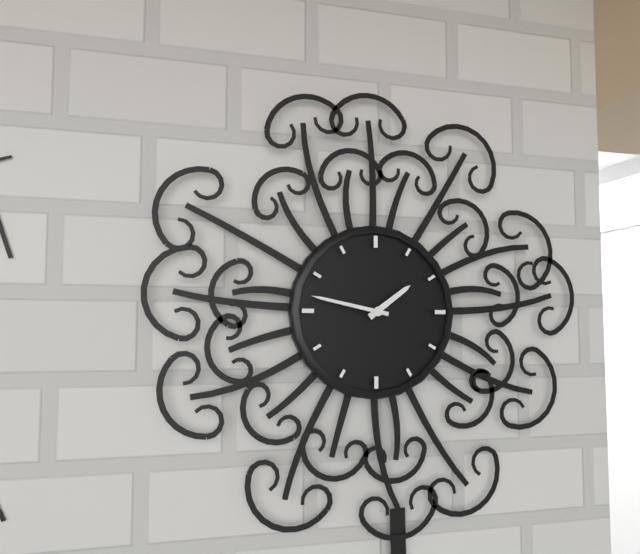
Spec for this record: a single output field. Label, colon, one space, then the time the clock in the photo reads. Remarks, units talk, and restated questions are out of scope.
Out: 1:47
